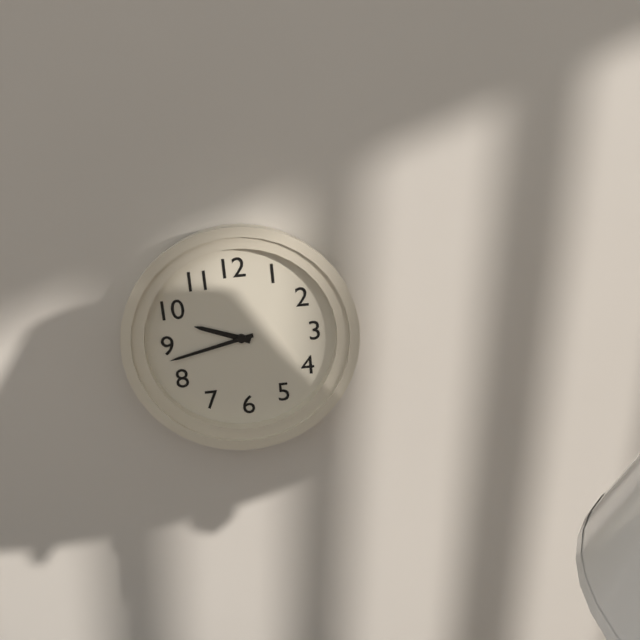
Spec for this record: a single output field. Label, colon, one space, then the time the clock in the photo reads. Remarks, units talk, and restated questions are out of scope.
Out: 9:43
